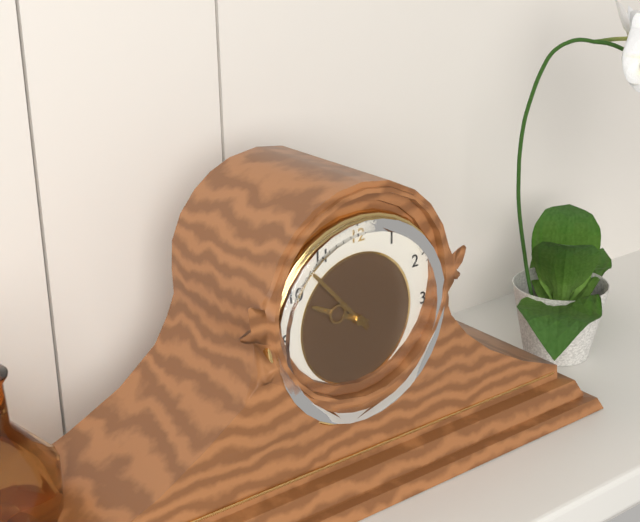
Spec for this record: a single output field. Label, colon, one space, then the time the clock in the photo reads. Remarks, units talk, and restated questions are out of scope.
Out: 9:53
